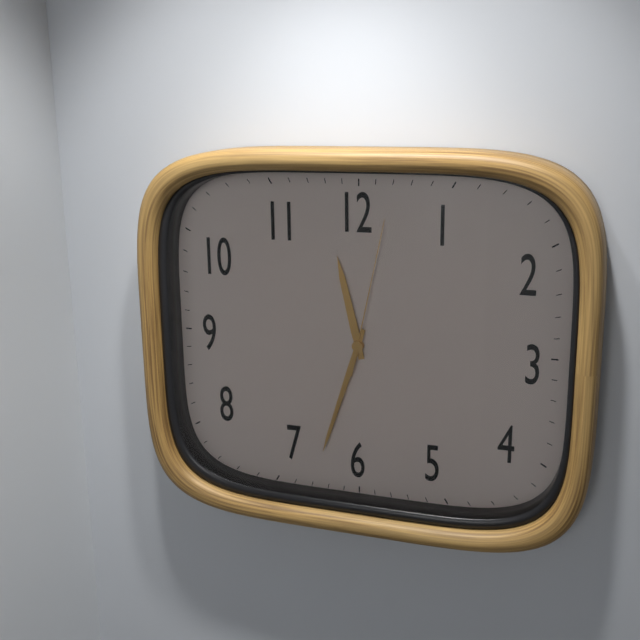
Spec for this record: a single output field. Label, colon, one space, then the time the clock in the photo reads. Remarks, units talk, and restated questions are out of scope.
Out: 11:33:02
